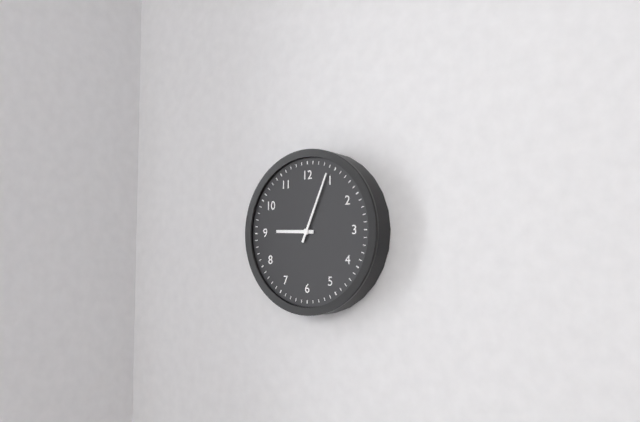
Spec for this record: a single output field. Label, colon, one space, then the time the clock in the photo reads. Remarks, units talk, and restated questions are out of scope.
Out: 9:04
